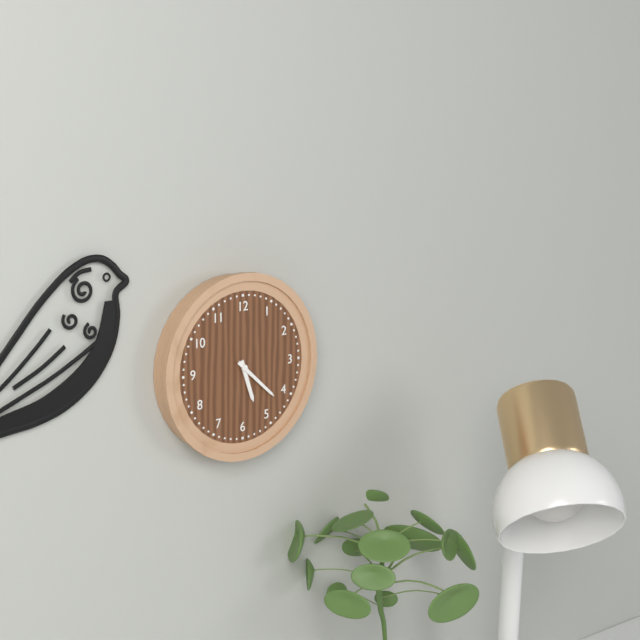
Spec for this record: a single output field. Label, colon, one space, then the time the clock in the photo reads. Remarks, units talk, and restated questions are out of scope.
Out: 5:22
